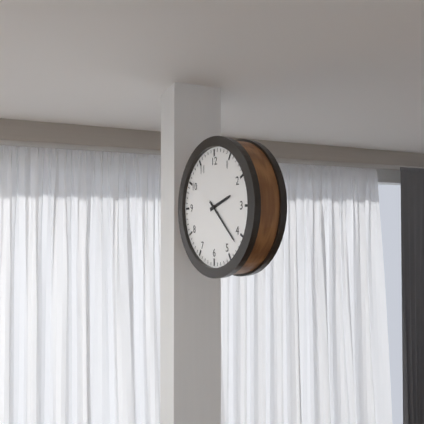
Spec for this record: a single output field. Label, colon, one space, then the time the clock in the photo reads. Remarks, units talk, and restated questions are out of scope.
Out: 2:22
